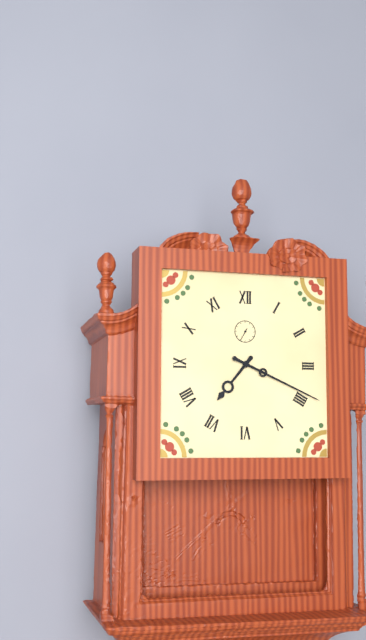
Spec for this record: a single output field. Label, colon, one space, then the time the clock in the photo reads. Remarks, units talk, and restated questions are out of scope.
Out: 7:19
